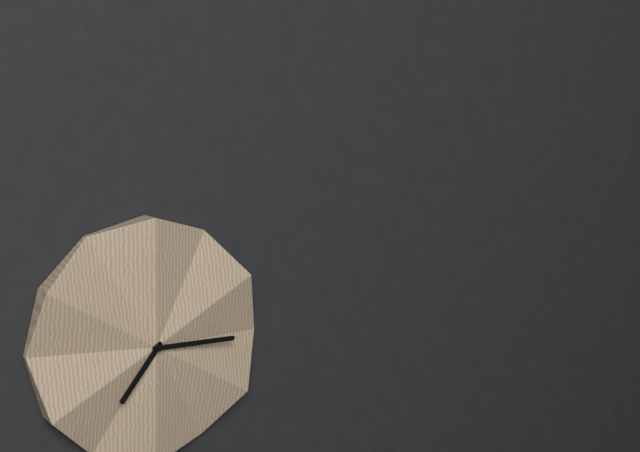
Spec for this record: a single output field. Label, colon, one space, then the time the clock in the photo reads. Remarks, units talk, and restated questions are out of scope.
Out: 7:15
